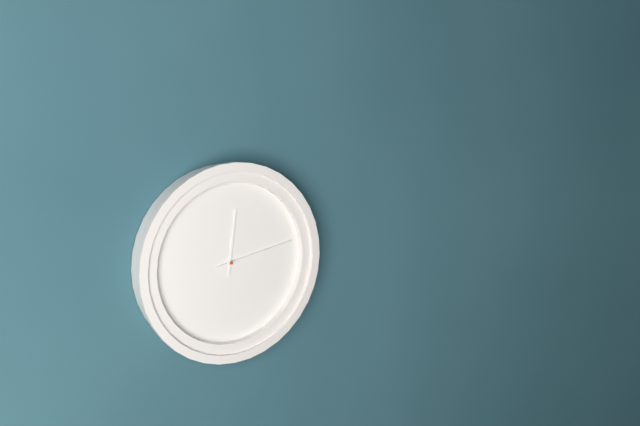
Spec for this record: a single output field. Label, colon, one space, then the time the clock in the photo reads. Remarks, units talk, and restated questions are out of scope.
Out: 12:13
